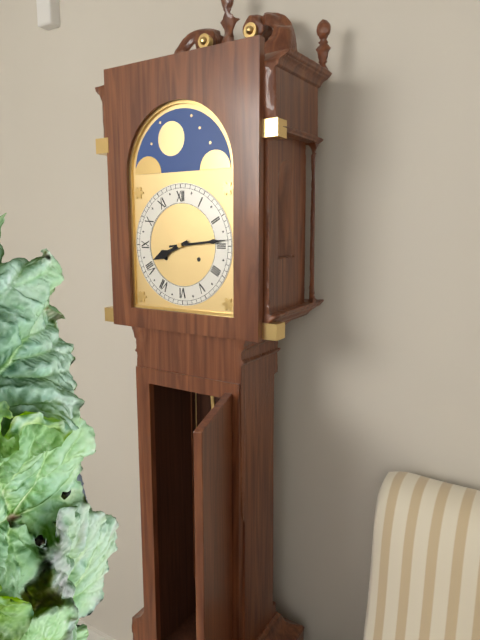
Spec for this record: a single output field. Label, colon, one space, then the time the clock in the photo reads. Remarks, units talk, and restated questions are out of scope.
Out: 8:14
